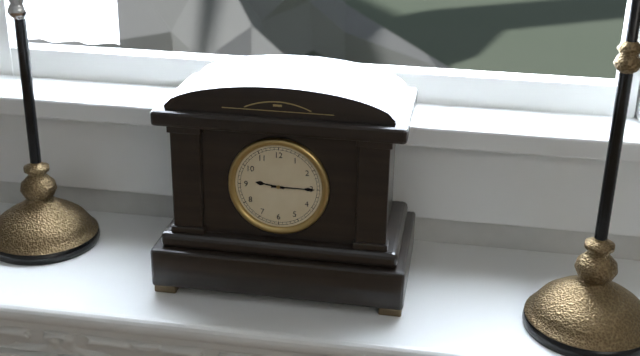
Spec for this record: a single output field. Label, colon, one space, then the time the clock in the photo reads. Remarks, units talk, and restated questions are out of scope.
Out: 9:15
